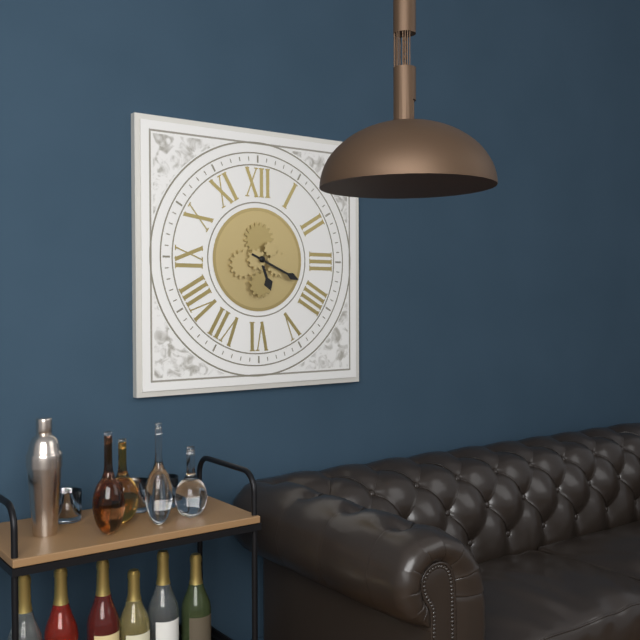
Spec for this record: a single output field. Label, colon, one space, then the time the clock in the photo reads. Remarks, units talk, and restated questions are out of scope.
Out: 5:19
